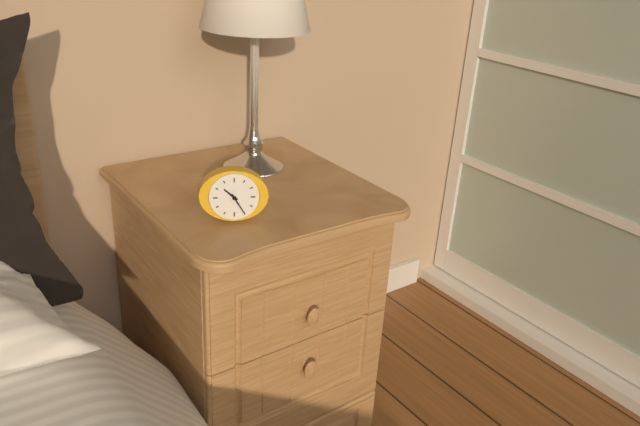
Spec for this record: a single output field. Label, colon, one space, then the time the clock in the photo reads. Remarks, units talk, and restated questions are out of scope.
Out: 10:25
